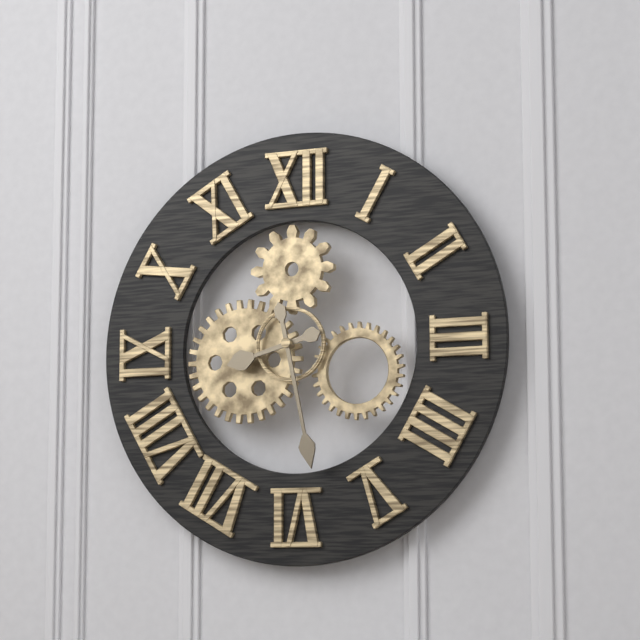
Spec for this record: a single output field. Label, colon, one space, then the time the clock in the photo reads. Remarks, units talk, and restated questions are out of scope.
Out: 8:28
